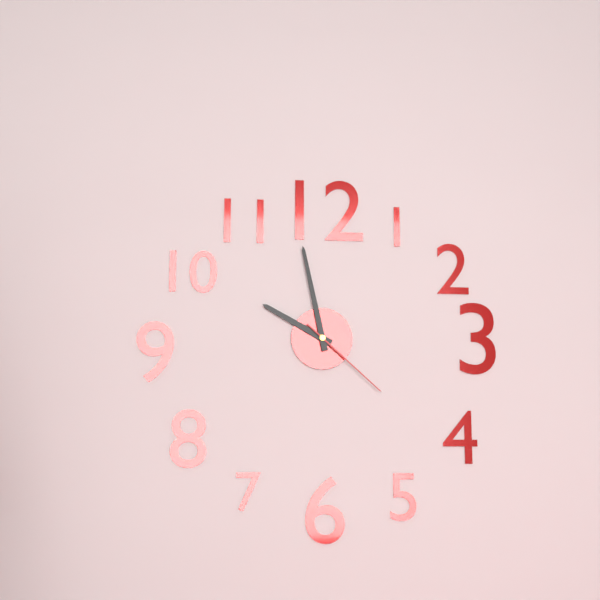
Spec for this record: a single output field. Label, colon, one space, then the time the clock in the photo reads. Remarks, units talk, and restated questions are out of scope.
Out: 9:58:22
